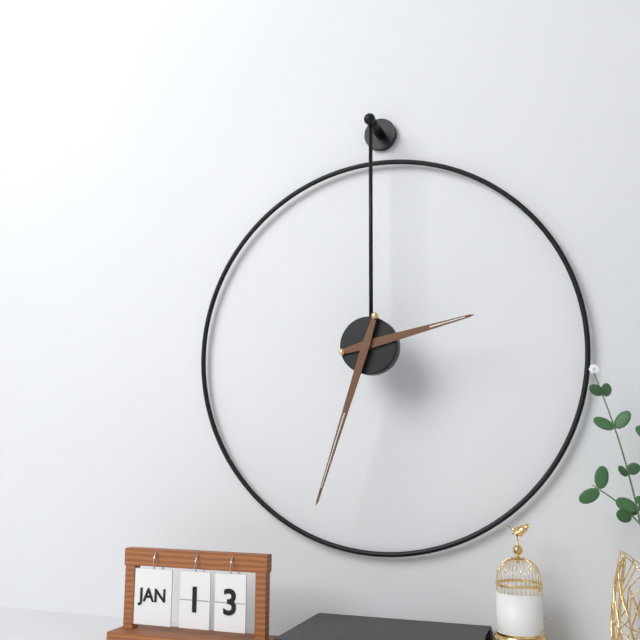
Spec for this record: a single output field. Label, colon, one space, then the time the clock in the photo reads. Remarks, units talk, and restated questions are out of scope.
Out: 2:33
